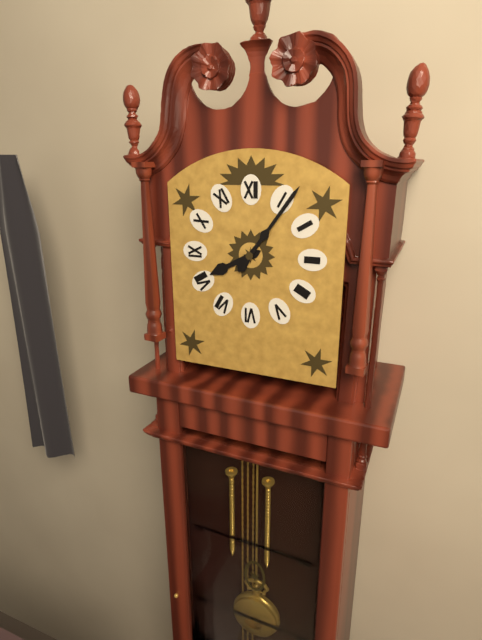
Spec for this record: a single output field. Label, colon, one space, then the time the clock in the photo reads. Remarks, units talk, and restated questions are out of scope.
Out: 8:06
